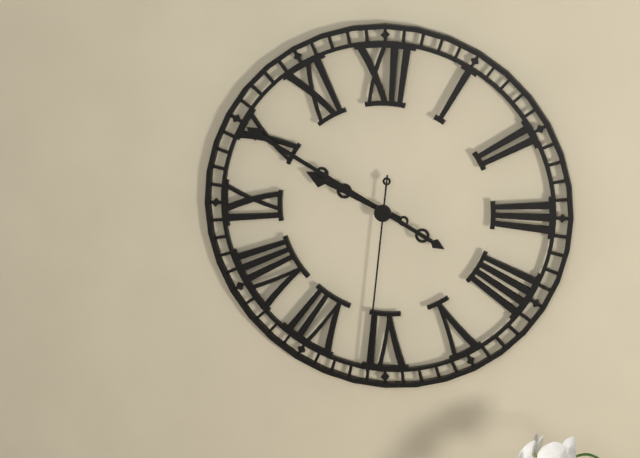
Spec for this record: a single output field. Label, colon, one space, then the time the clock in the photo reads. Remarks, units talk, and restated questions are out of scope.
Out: 9:50:31
